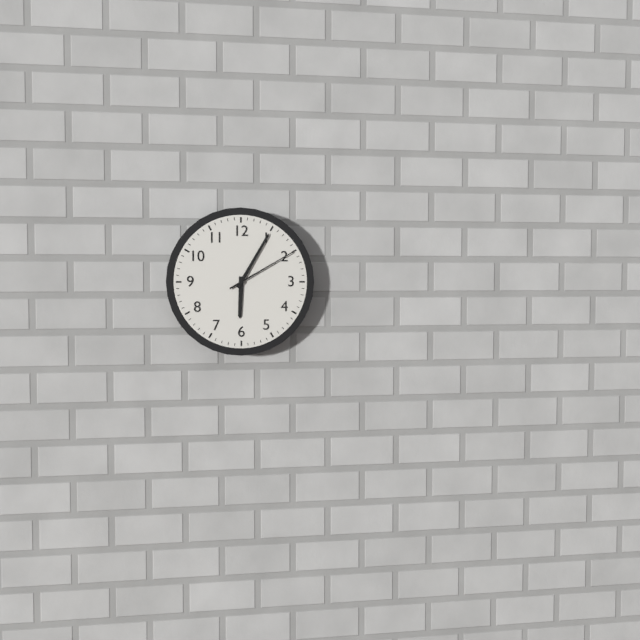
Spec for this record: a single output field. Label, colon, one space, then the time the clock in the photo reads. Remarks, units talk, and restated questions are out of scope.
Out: 6:05:10
